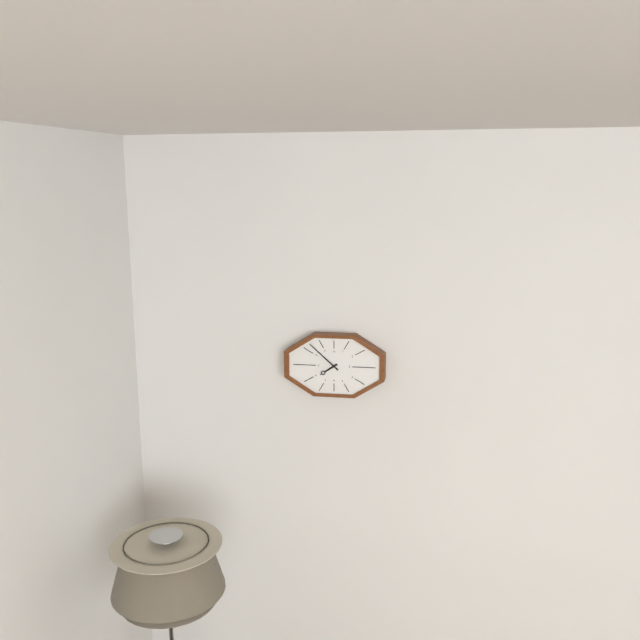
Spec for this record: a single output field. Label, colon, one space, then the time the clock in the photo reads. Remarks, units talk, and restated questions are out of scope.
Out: 7:52
